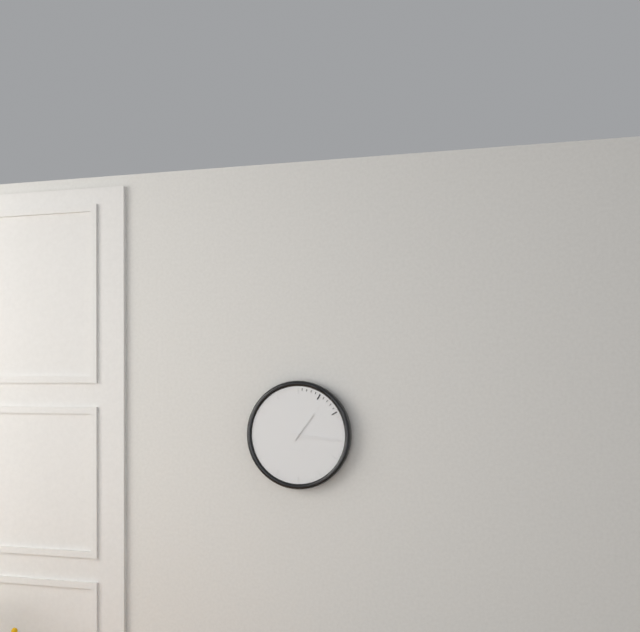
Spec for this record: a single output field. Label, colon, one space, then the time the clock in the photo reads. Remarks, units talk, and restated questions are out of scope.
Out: 1:16
